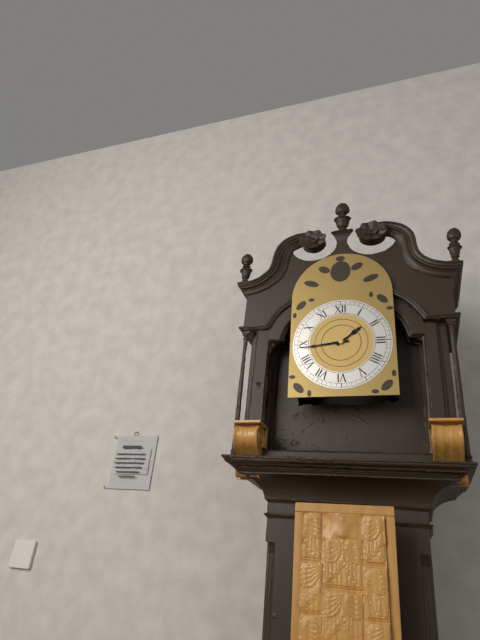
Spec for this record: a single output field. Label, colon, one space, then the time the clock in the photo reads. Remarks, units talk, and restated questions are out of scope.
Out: 1:44
